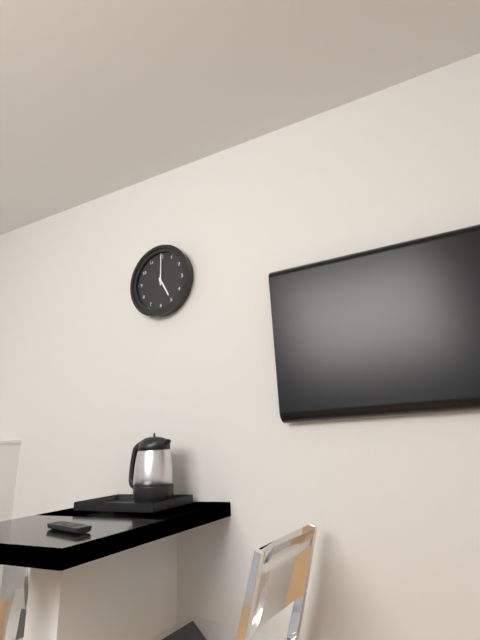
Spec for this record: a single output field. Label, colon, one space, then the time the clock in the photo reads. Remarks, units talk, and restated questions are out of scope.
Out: 5:00
